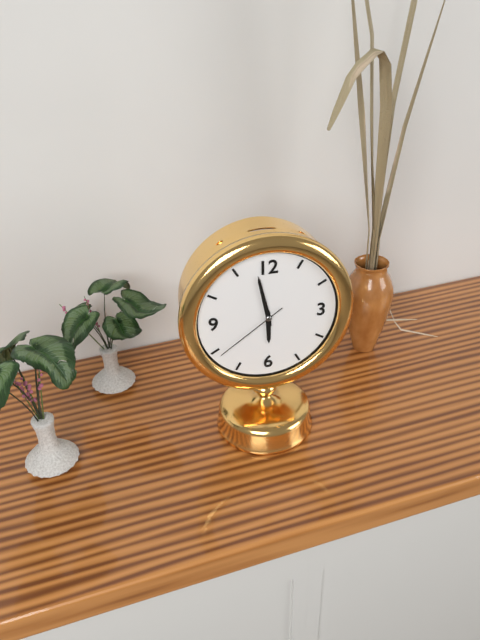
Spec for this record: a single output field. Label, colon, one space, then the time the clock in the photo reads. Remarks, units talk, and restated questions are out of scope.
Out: 5:58:39
